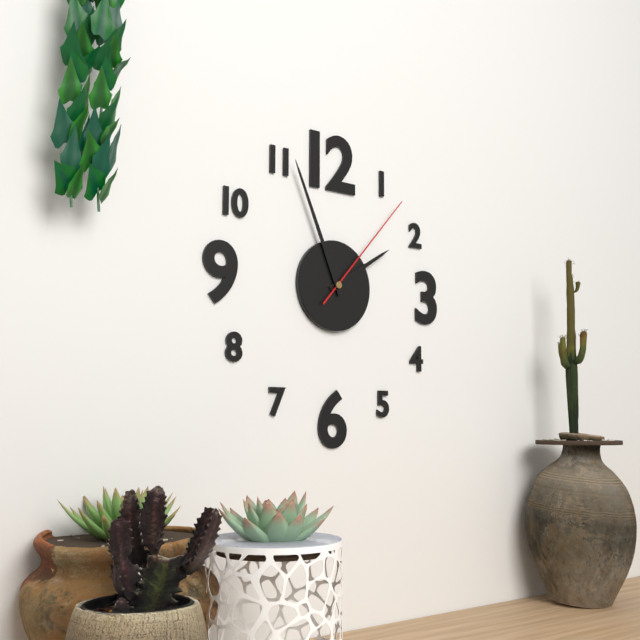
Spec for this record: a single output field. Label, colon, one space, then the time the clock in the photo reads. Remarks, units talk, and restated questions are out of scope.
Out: 1:56:07
